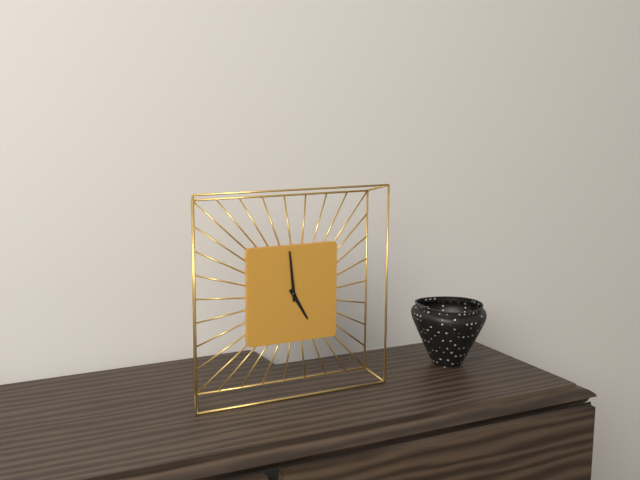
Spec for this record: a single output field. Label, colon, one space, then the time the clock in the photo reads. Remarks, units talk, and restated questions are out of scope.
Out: 4:59
